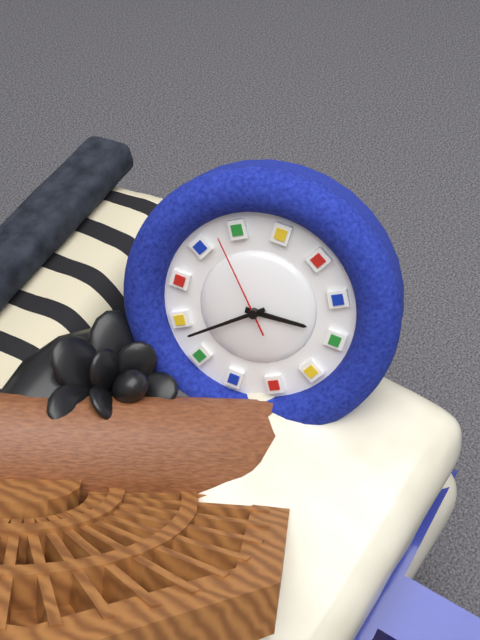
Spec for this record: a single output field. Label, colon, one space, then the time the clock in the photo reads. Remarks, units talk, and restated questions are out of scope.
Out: 4:48:03
